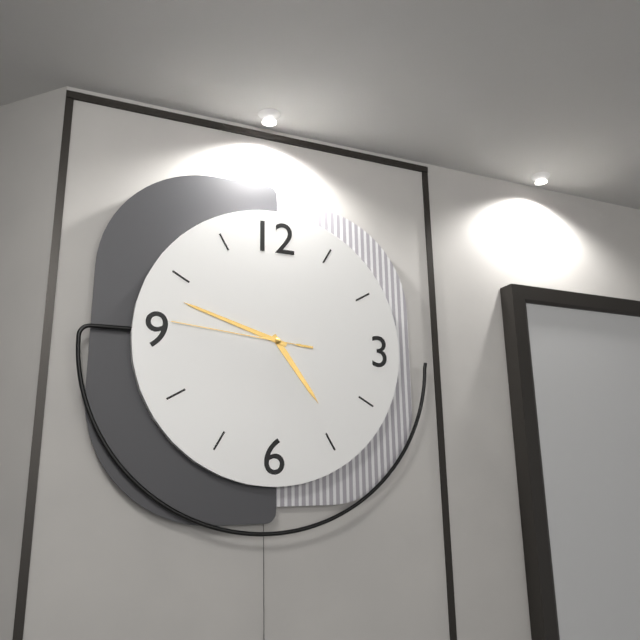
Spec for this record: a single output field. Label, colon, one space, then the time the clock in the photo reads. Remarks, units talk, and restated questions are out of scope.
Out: 4:48:46
